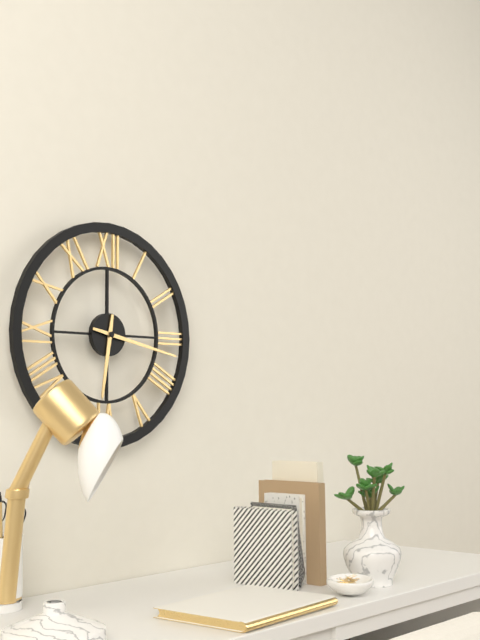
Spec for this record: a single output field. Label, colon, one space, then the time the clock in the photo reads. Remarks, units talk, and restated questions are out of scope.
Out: 6:17
